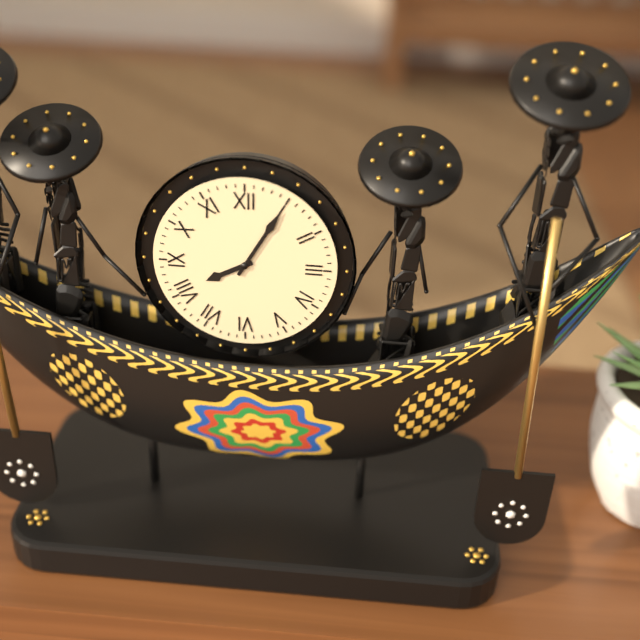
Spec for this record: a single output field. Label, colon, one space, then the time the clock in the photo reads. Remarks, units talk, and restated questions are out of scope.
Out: 8:05
